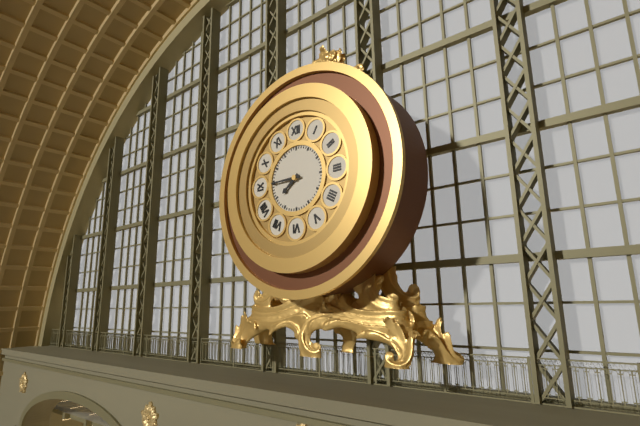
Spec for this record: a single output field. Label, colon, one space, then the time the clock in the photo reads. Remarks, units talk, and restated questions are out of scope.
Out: 7:45
